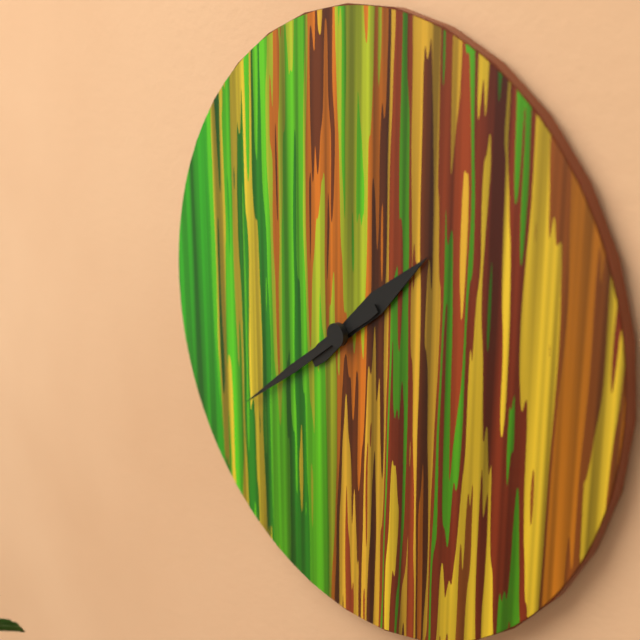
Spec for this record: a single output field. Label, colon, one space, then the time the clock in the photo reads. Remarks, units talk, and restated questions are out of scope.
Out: 1:39
